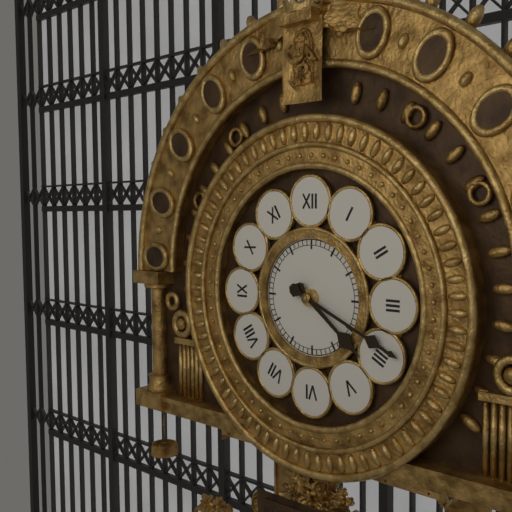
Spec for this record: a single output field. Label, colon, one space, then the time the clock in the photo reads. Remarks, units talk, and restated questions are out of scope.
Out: 4:19
